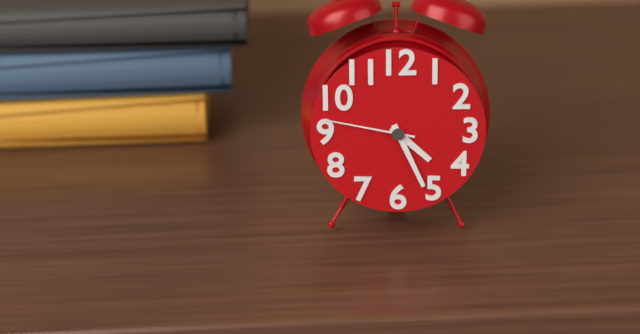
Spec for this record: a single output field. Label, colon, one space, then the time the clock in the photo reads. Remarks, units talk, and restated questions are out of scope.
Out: 4:26:47
